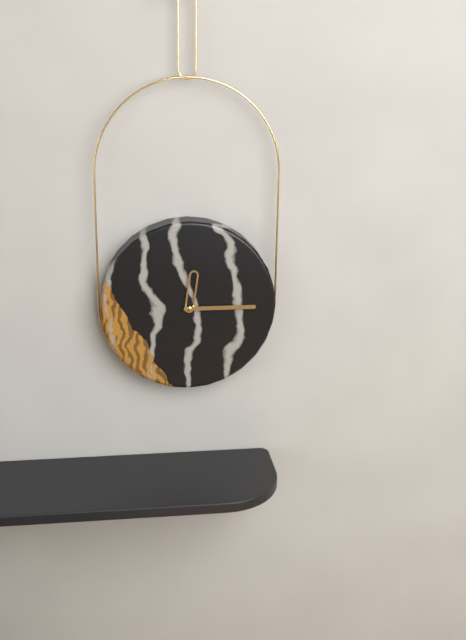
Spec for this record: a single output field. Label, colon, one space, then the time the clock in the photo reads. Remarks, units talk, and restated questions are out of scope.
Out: 12:15
